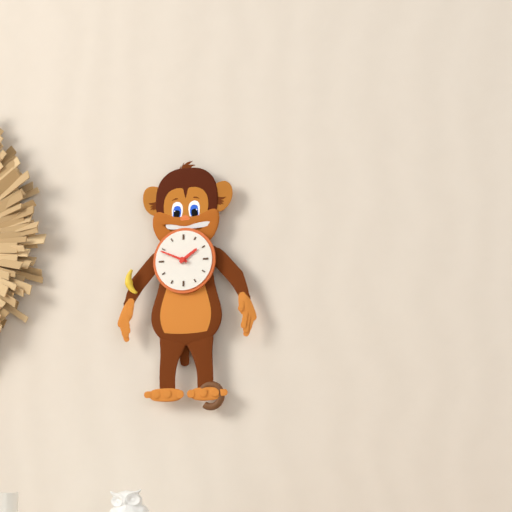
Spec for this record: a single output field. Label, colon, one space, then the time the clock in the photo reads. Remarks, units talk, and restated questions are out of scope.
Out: 1:49
